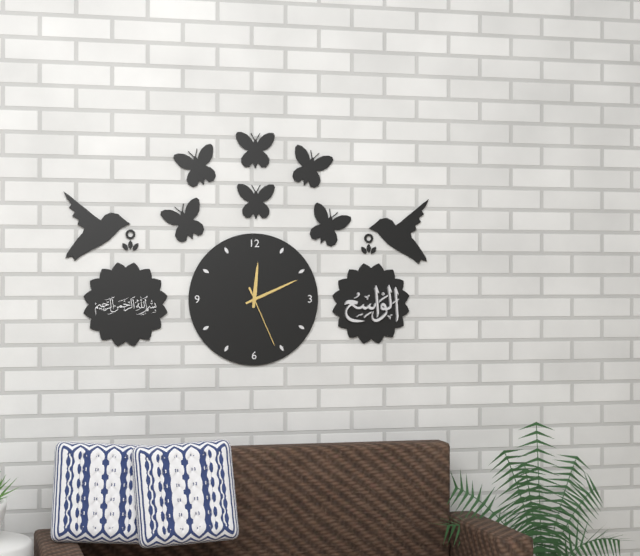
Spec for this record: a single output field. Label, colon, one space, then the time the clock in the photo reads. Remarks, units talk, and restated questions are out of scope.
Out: 12:11:26
